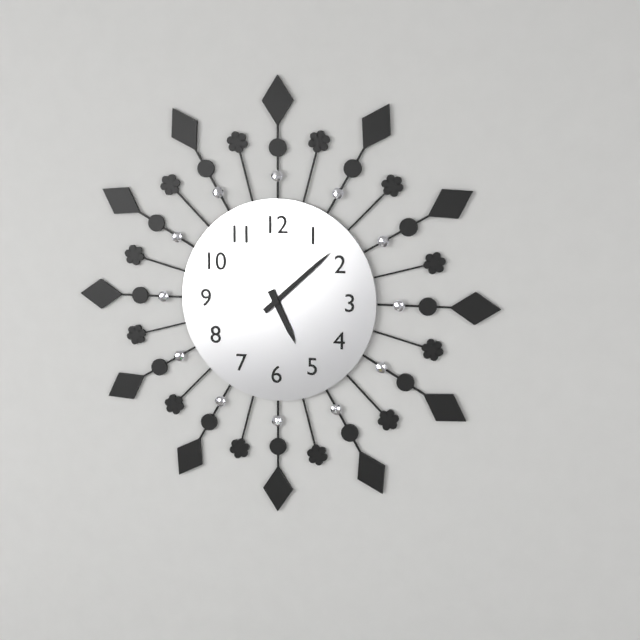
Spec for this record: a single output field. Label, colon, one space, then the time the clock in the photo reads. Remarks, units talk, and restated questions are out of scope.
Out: 5:08
